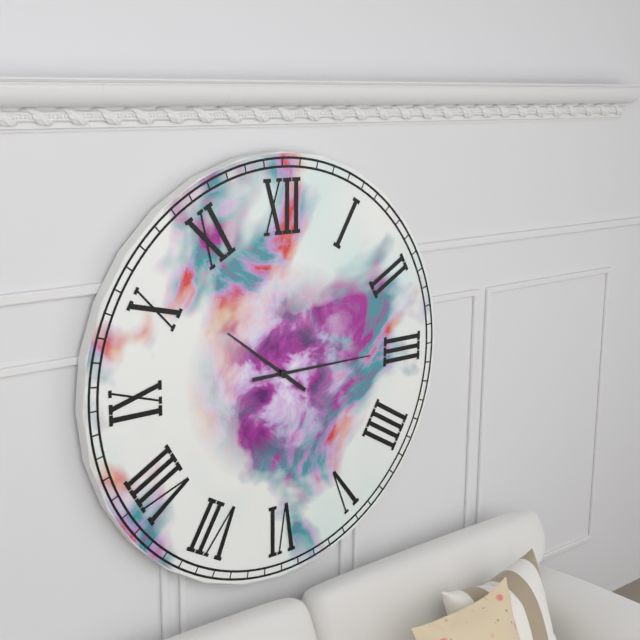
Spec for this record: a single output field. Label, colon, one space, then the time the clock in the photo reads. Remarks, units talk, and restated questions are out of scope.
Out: 10:15
